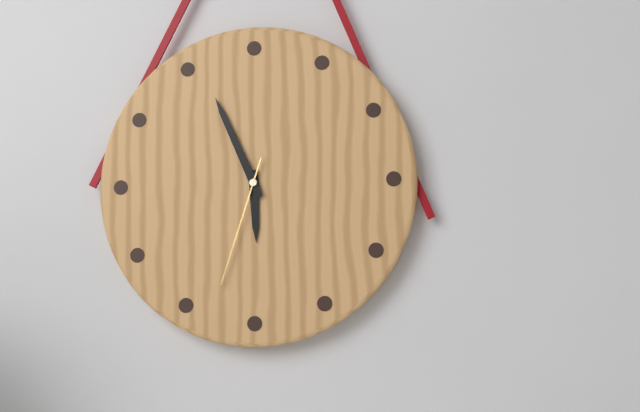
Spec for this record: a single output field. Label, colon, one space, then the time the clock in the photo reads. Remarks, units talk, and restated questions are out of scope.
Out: 5:56:33
